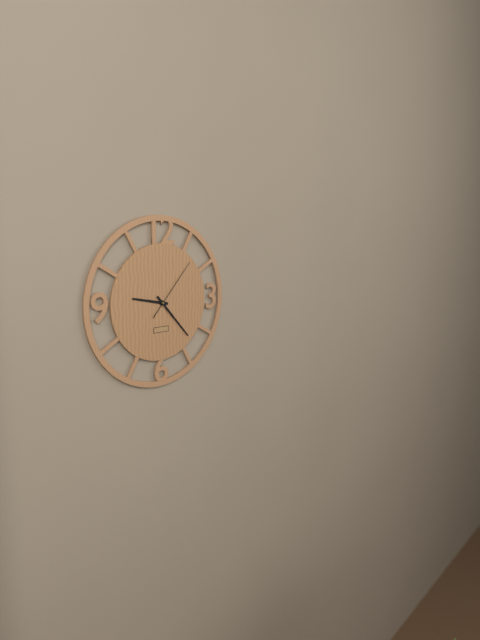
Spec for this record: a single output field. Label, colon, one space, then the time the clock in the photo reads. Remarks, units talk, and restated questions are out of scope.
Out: 9:23:07
